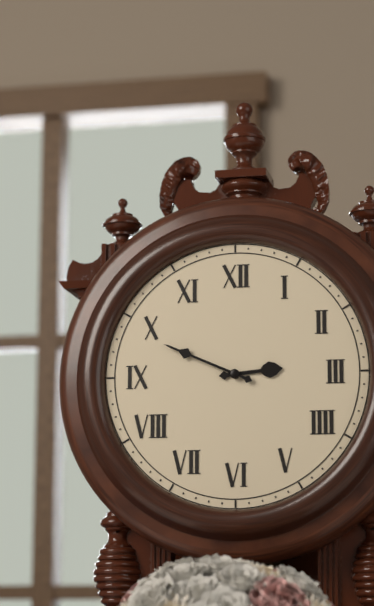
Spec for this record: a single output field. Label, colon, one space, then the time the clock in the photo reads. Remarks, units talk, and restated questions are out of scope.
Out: 2:49
